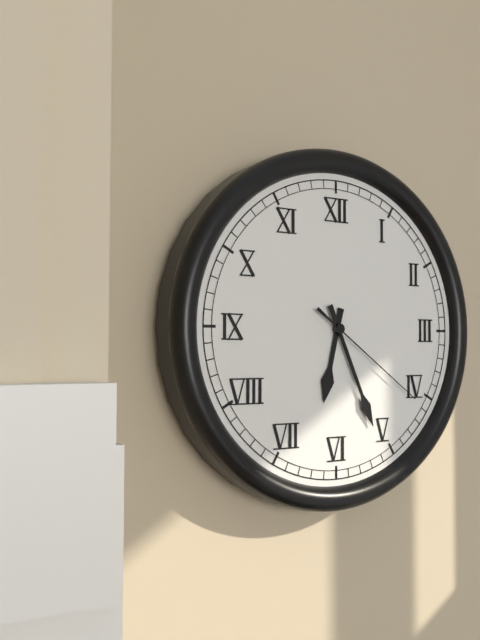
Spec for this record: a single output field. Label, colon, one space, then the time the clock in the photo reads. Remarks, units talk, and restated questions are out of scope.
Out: 6:26:21
